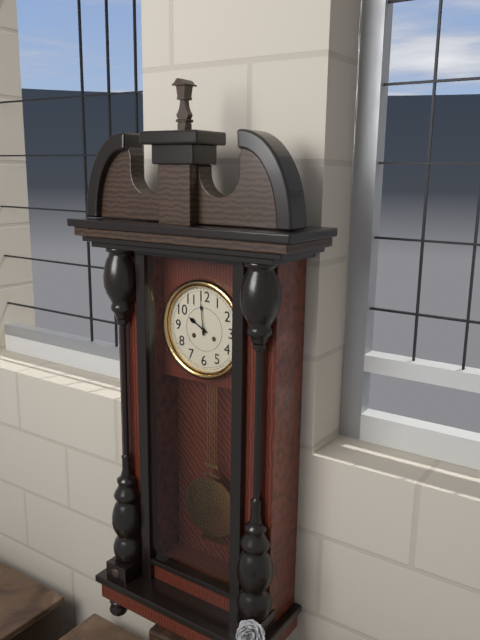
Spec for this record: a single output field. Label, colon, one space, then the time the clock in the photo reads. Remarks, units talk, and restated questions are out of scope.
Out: 9:59
